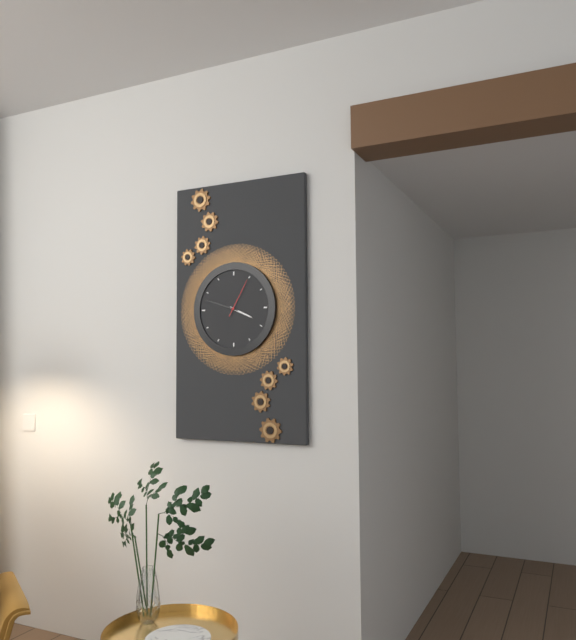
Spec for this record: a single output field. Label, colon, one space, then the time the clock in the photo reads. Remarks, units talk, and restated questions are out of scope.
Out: 3:48
